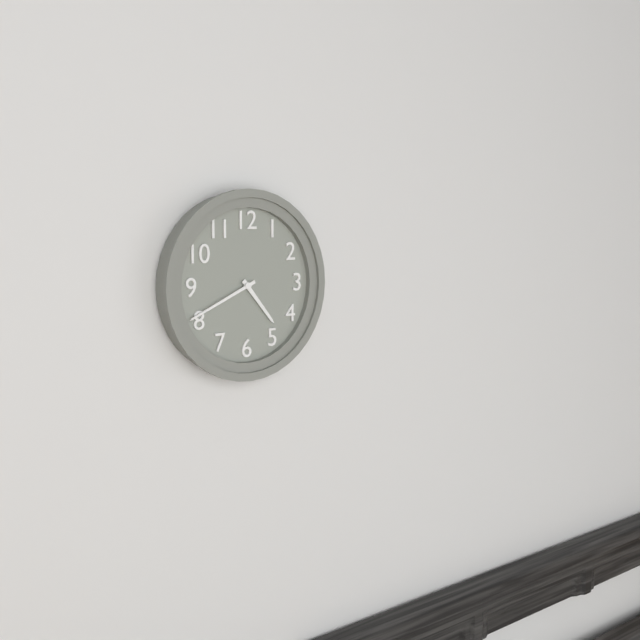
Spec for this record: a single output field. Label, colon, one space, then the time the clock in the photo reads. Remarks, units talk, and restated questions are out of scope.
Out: 4:41
